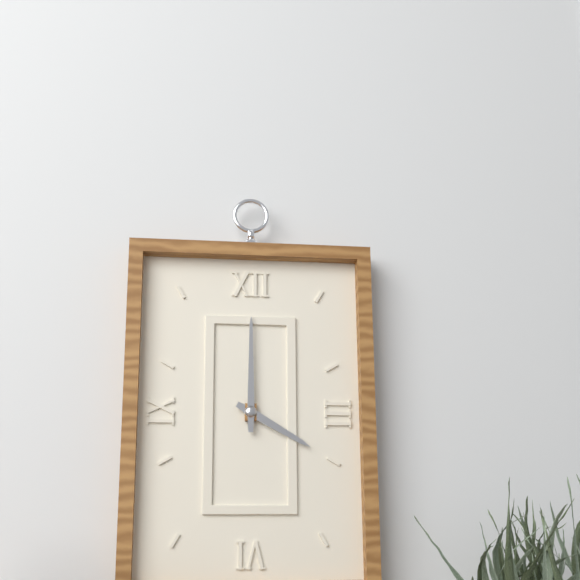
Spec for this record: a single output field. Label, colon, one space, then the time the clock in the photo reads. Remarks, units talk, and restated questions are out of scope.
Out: 4:00
